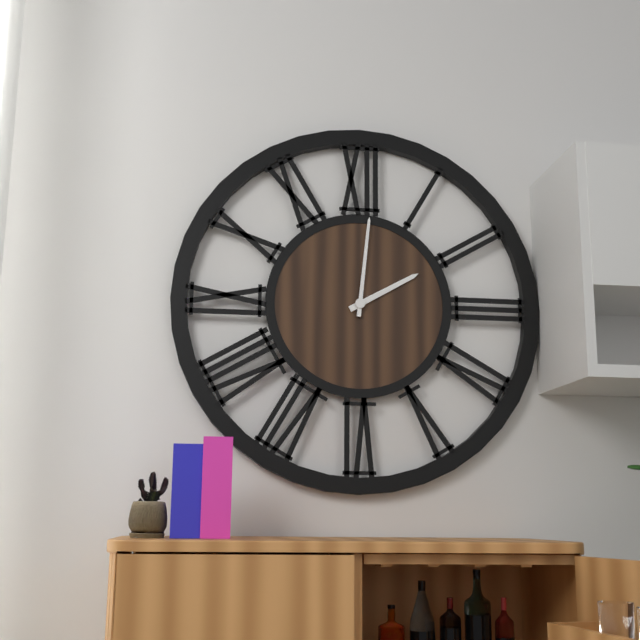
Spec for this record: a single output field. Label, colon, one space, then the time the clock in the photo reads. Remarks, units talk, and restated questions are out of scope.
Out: 2:01
